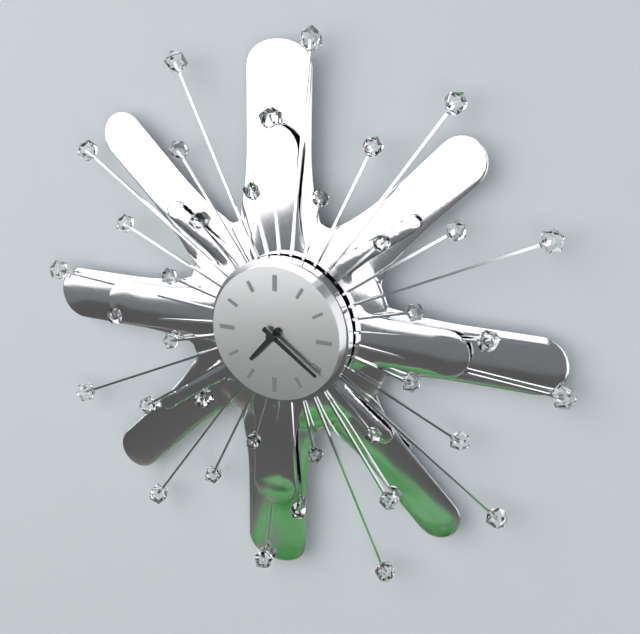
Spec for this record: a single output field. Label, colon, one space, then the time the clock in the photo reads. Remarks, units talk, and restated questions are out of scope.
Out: 7:21
